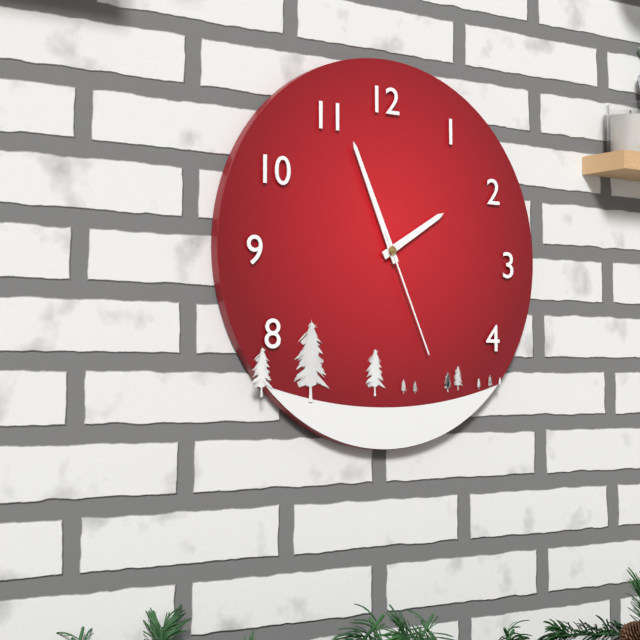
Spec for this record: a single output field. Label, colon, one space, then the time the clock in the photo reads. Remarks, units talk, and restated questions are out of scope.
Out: 1:56:26
